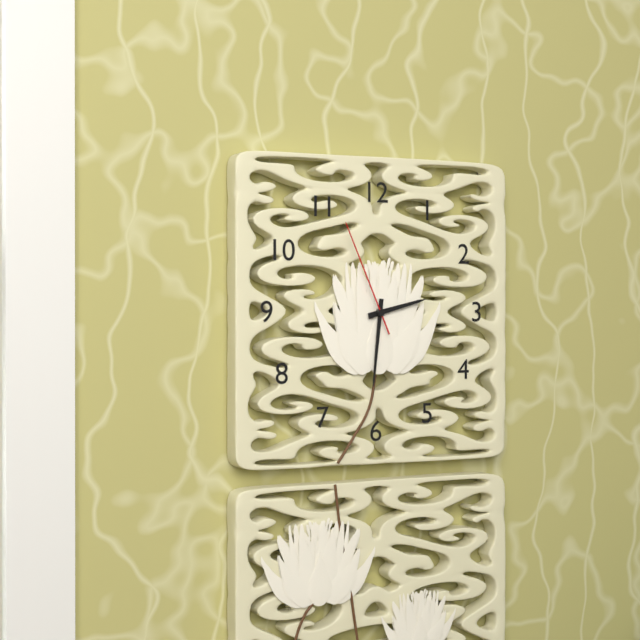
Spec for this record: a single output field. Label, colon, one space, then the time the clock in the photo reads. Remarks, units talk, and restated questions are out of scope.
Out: 2:31:56
